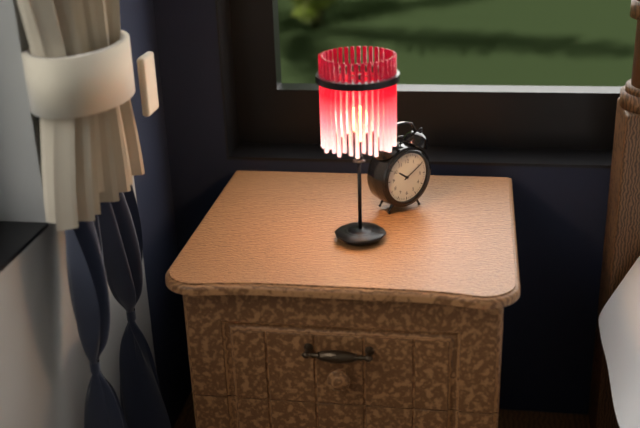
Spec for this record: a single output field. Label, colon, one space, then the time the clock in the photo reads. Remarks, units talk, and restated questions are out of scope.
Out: 10:10
